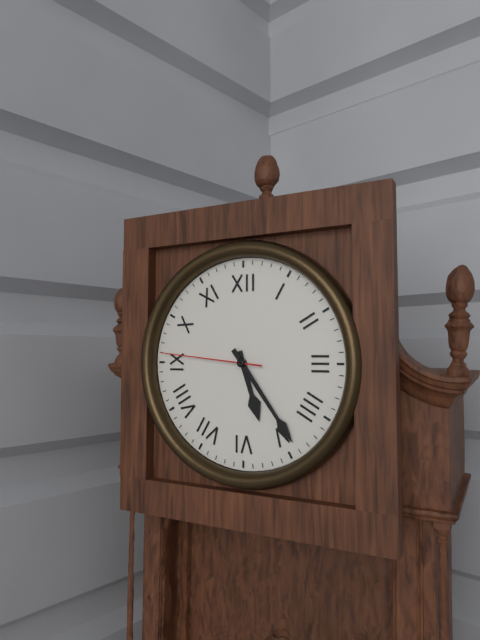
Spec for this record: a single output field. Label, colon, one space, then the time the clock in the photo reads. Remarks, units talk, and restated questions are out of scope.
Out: 5:24:46
